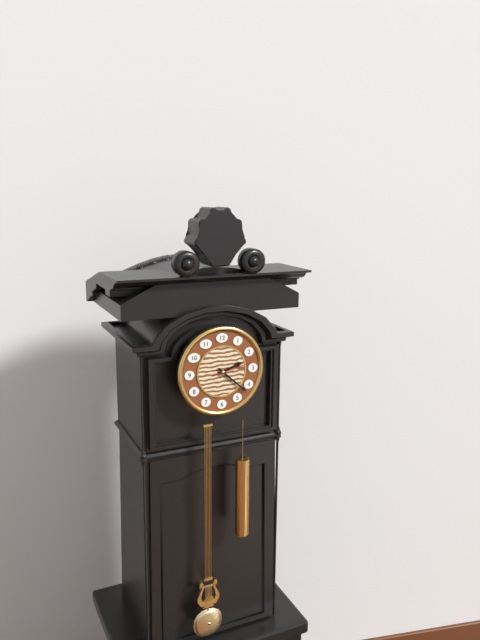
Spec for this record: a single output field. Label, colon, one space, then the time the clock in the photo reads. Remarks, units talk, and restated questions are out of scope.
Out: 2:22
